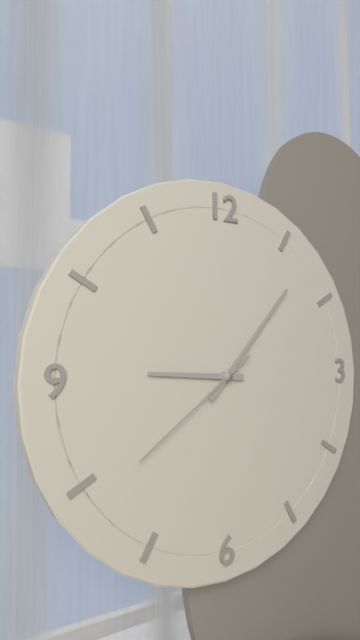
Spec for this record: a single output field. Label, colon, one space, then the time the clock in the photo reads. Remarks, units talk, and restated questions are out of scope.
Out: 9:07:39
